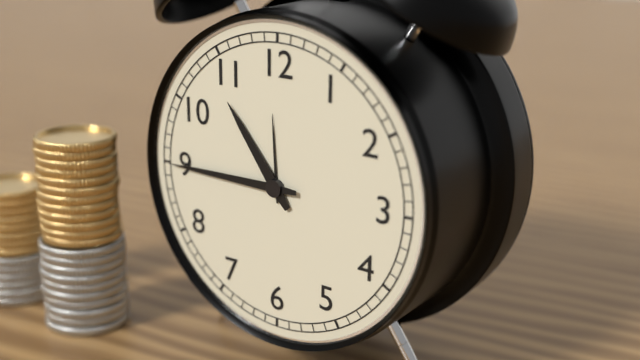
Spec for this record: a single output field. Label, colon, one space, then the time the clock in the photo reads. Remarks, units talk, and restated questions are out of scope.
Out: 10:45
